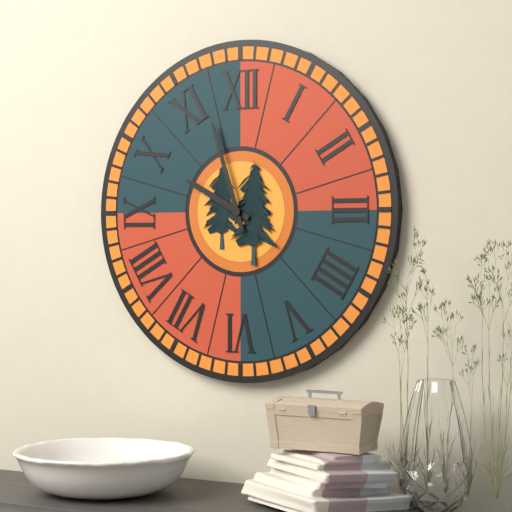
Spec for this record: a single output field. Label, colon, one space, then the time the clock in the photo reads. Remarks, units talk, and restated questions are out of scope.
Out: 9:57
